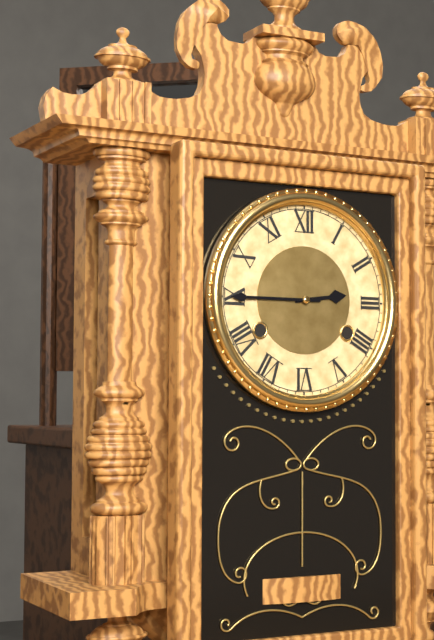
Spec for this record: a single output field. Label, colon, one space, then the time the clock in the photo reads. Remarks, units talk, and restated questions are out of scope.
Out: 2:45
